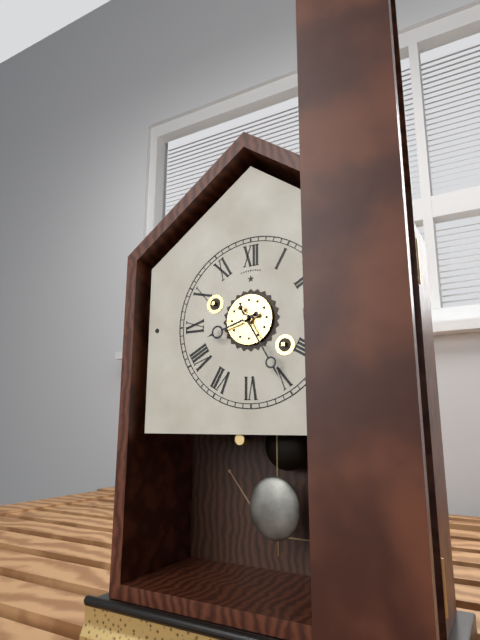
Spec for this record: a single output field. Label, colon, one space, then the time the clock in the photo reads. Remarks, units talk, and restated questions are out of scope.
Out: 8:25
